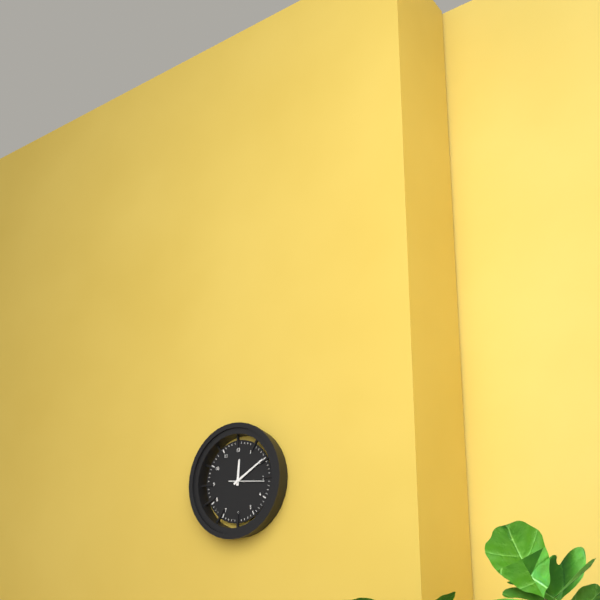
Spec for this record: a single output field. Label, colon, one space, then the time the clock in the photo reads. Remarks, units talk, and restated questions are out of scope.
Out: 12:10
